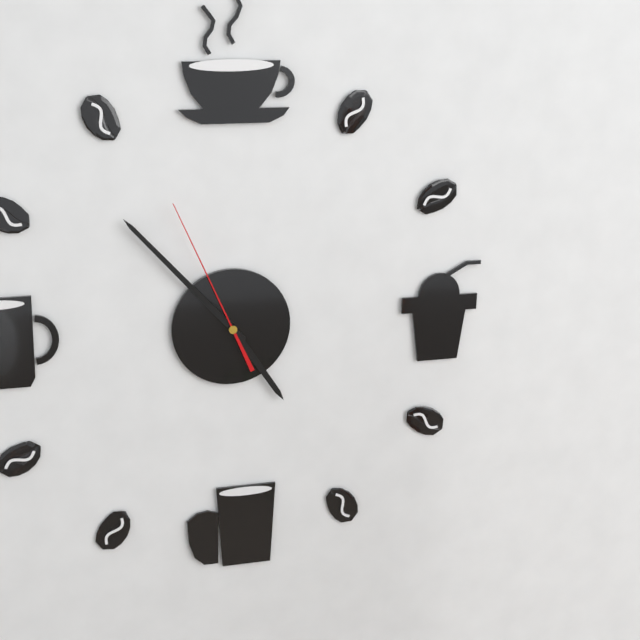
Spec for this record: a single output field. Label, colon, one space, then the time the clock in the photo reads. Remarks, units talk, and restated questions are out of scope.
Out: 4:53:56
